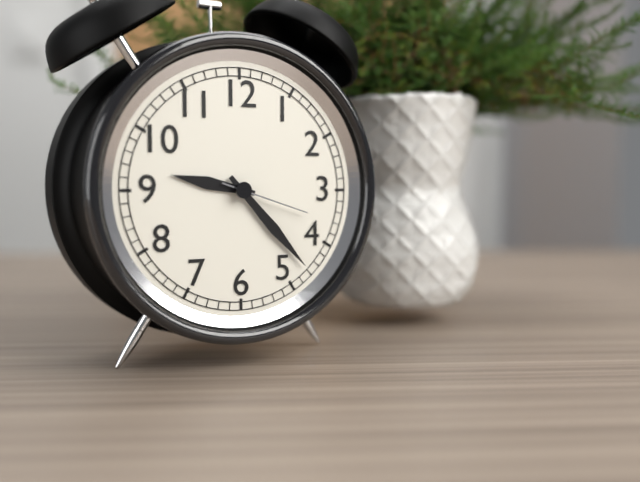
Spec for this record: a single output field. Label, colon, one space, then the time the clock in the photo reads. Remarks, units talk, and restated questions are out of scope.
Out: 9:23:18
